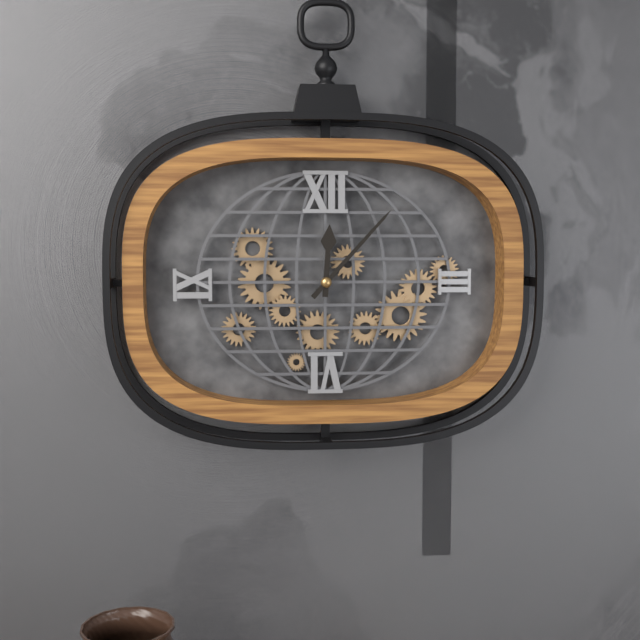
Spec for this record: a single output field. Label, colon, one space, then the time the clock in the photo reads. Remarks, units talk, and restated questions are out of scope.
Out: 12:07
